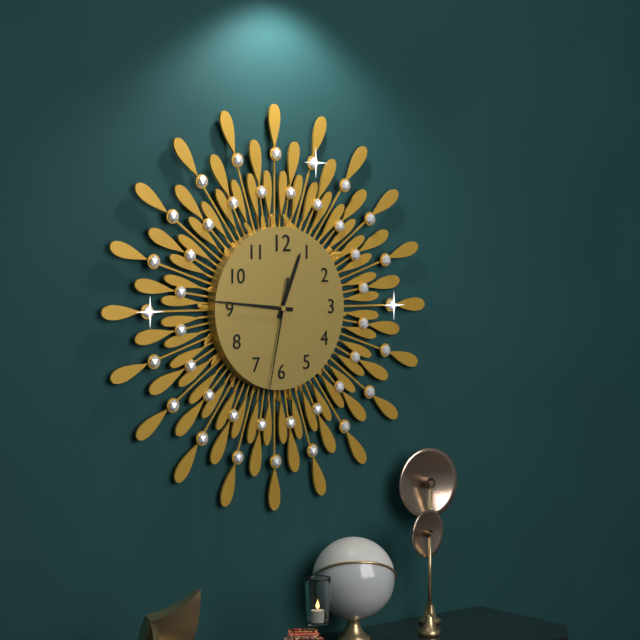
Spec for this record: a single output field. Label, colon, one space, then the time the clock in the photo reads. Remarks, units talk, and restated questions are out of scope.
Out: 12:46:32
